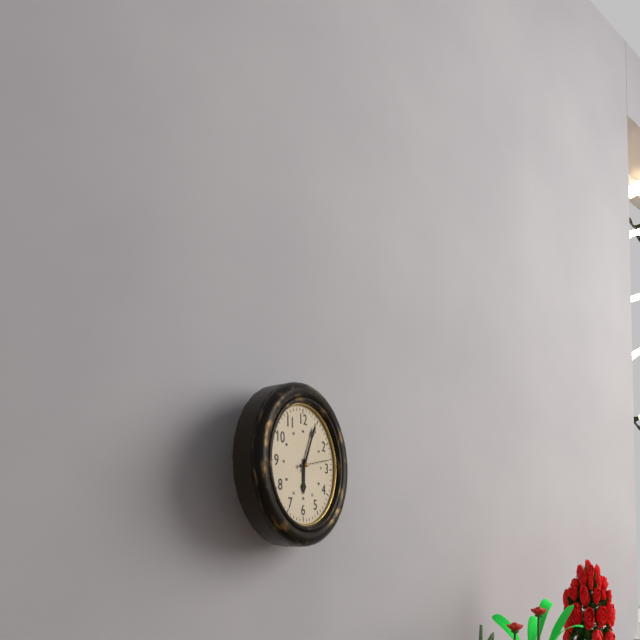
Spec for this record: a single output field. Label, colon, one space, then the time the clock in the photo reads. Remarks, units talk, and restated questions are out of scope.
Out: 6:04
